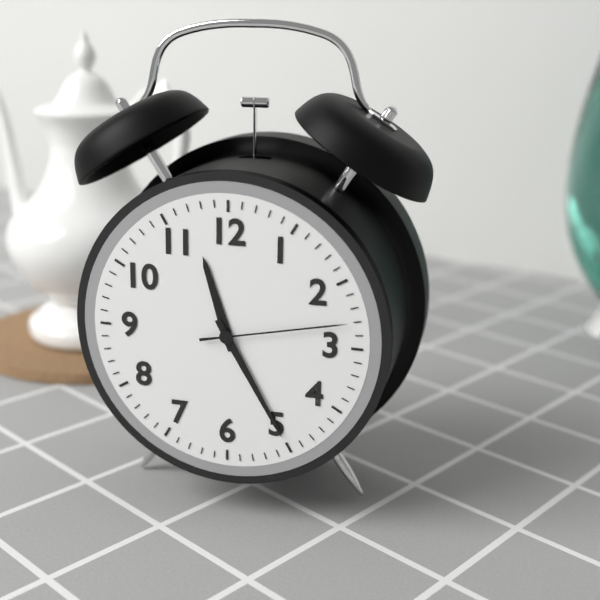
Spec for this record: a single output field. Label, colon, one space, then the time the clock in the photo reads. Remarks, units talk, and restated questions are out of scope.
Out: 11:25:13
